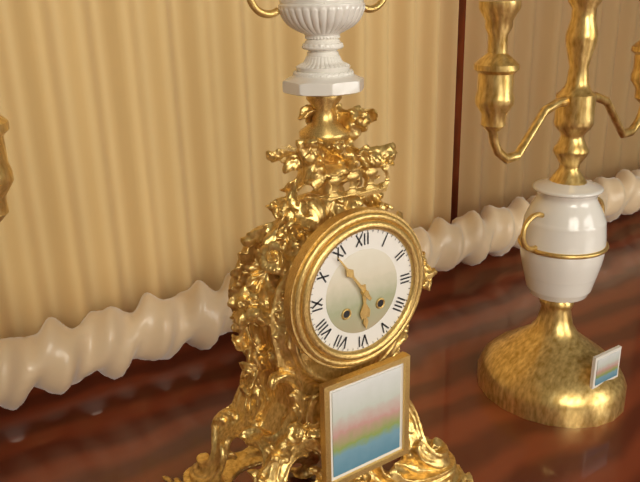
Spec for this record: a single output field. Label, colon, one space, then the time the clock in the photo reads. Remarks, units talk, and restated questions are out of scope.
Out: 5:54
